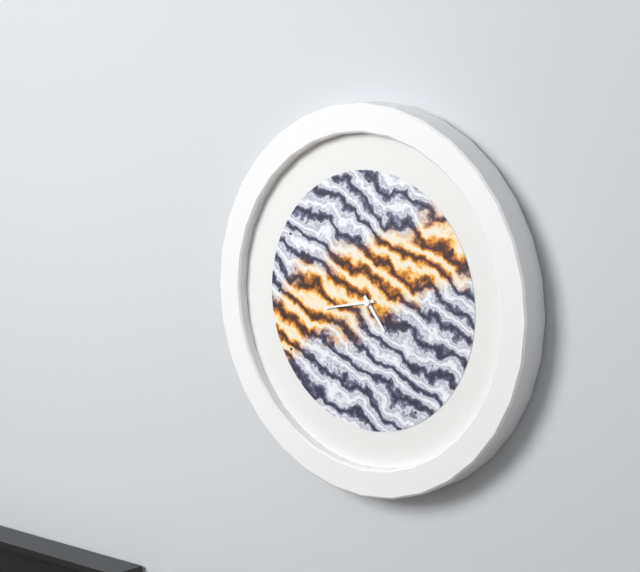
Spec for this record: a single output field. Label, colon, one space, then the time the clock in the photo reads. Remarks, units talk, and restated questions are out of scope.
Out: 4:43
